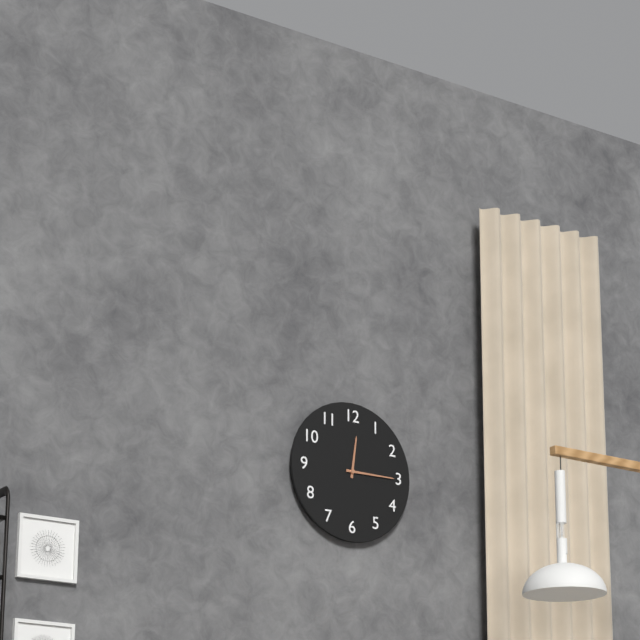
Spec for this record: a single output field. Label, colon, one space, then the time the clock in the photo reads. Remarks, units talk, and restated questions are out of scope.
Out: 12:15
